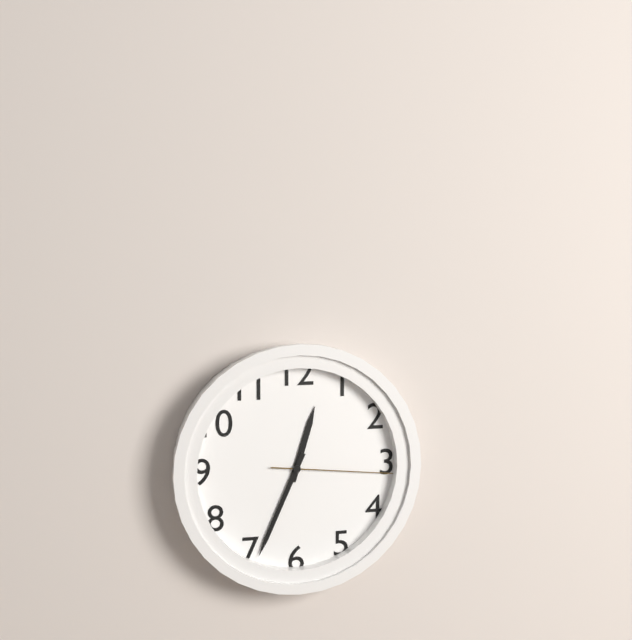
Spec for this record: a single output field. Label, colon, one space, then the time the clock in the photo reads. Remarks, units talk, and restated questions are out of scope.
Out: 12:34:16
